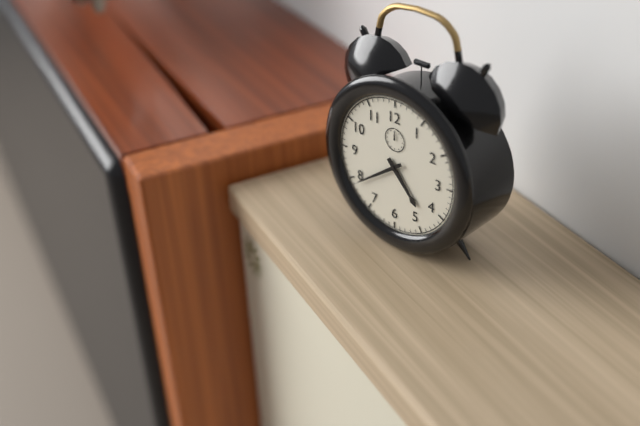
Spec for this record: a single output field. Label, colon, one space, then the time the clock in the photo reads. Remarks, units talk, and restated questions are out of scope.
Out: 4:39
